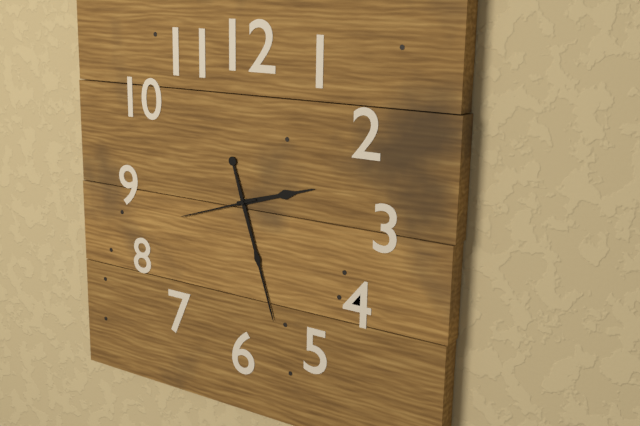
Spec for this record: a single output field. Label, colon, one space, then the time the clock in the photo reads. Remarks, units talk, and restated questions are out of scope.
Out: 2:27:42
